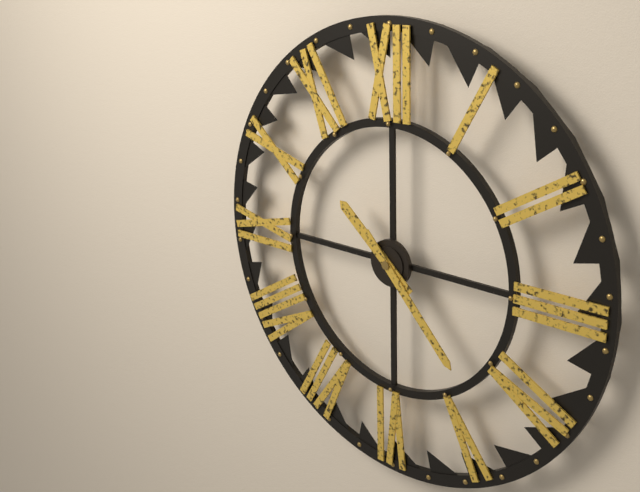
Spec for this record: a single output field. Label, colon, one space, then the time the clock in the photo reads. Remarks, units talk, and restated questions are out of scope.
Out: 10:23
